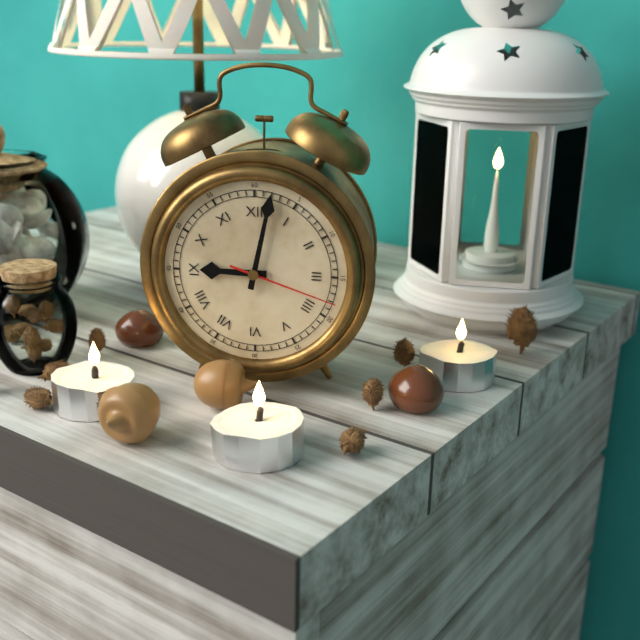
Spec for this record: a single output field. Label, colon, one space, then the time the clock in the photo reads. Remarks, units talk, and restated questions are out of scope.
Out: 9:02:18
